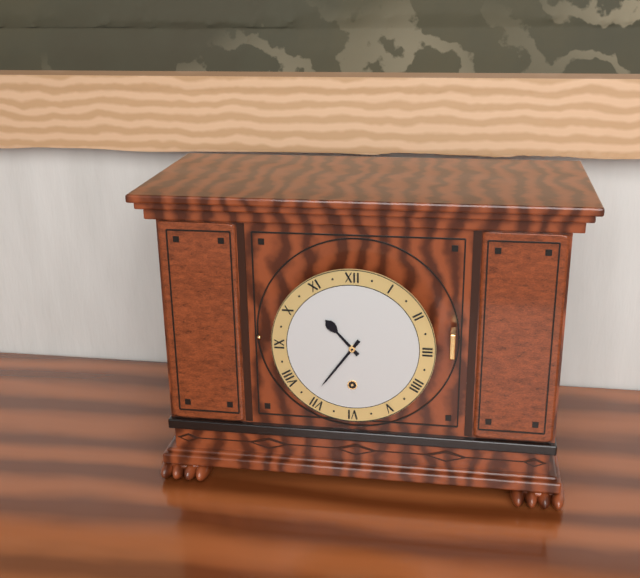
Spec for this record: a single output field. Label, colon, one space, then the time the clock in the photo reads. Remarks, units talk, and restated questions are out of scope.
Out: 10:36
